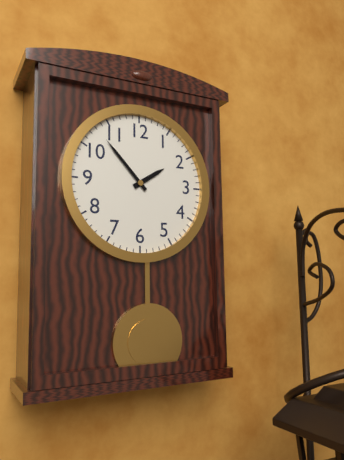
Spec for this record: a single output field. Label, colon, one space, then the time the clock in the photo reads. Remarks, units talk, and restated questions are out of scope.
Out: 1:53
